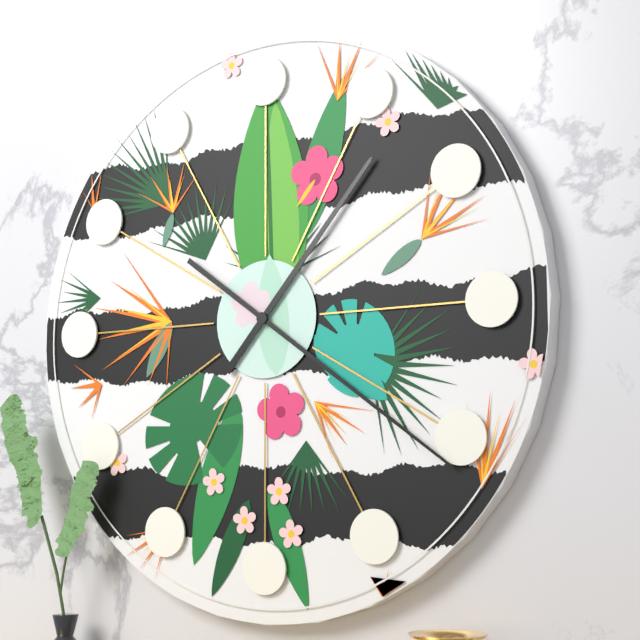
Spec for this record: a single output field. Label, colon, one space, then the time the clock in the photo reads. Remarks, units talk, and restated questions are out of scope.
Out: 1:21
